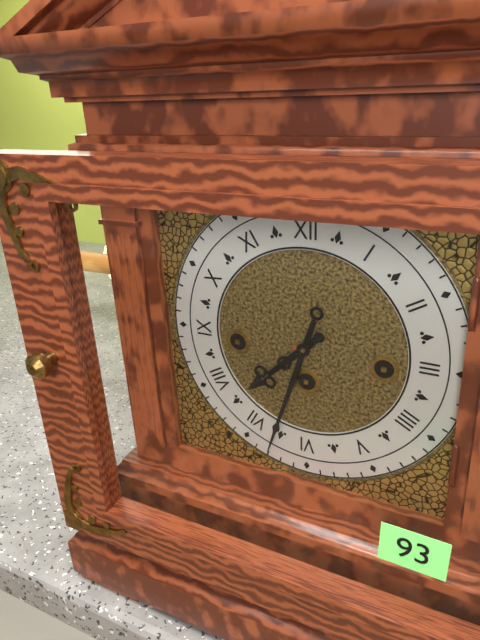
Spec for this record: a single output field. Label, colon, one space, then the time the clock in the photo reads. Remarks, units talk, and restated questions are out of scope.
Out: 7:33
